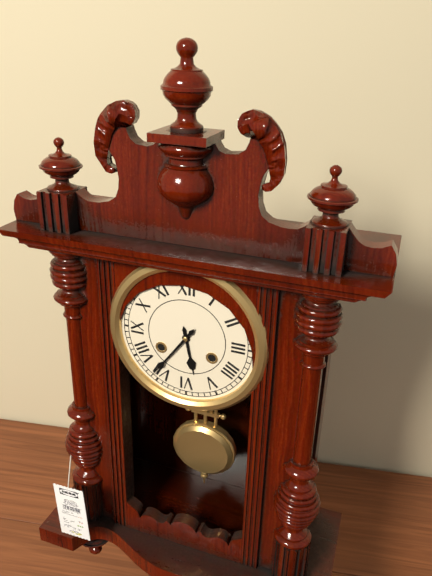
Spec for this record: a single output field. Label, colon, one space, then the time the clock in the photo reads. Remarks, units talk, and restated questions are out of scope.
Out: 5:36
